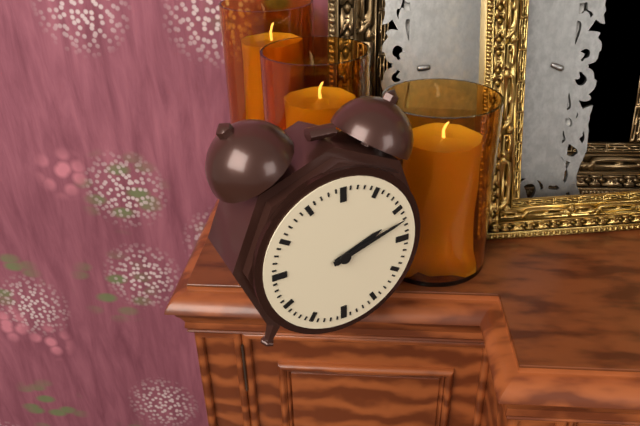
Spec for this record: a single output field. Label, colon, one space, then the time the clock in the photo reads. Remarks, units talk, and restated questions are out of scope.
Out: 2:12
